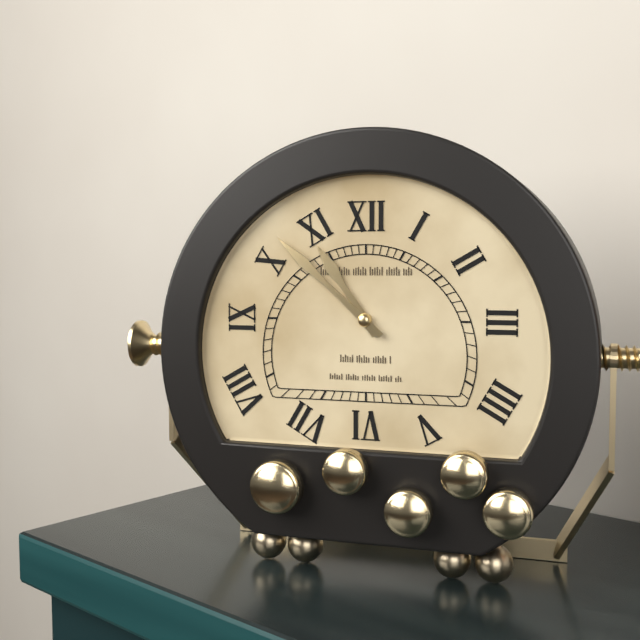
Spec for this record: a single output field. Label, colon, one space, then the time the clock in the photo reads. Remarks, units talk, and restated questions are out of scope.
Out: 10:52
